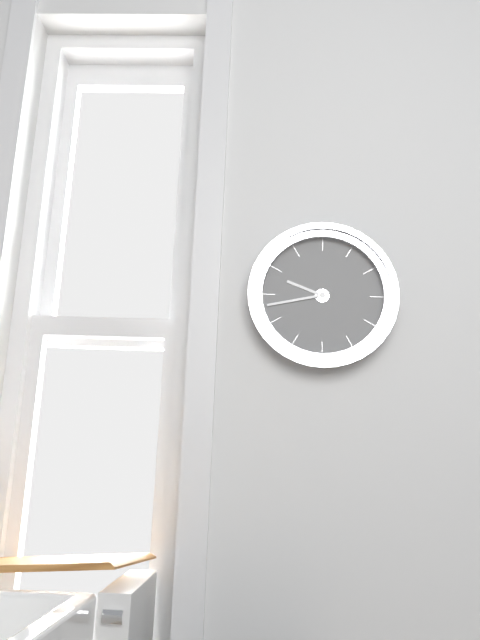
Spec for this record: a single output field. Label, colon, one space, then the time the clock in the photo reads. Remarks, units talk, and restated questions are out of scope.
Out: 9:43
